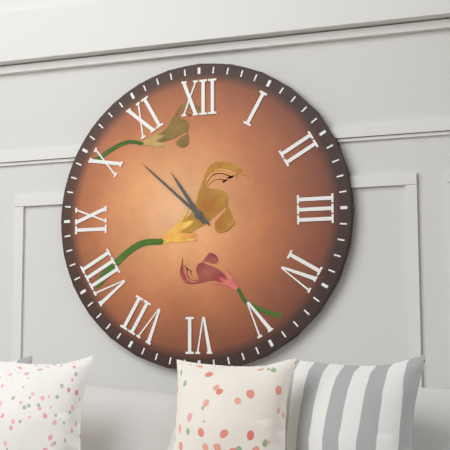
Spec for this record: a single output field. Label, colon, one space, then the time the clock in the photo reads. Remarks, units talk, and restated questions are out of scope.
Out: 10:52
